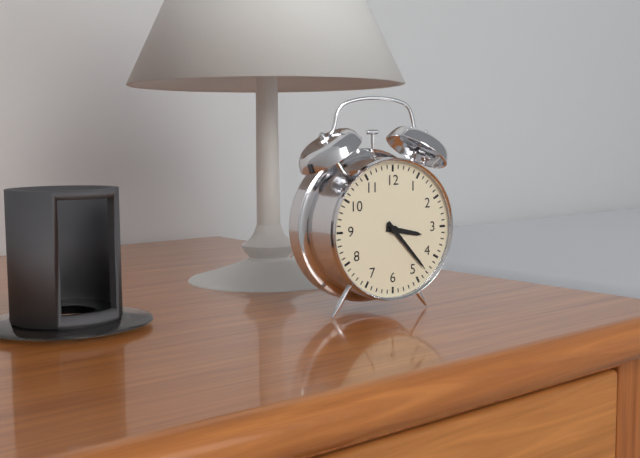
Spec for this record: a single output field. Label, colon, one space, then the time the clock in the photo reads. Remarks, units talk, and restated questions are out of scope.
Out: 3:23
